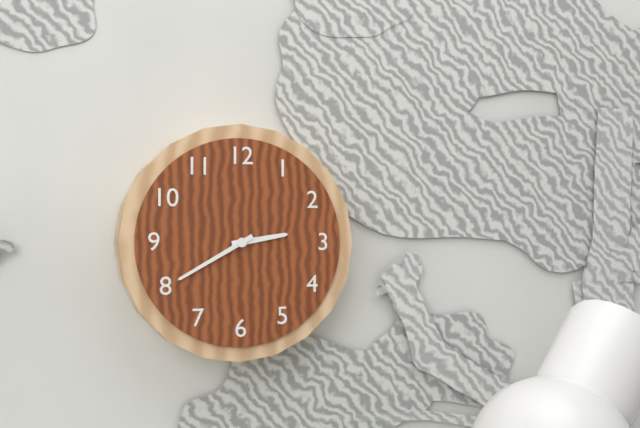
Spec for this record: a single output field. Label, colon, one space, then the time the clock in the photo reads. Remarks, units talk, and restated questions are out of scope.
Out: 2:40
